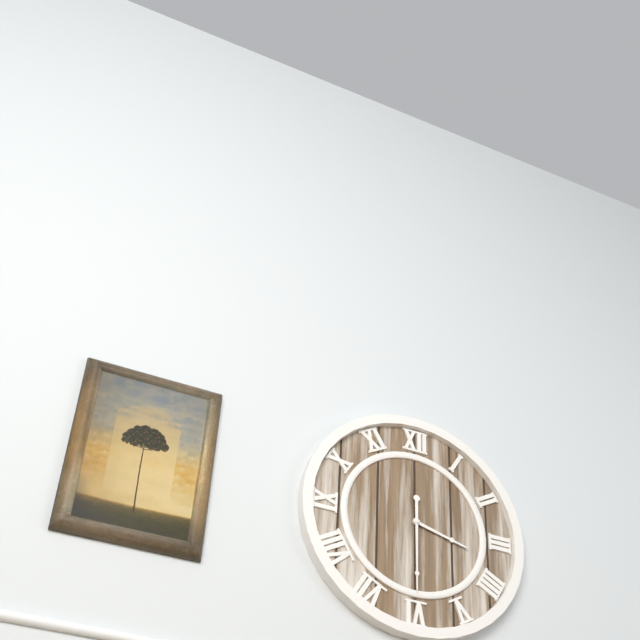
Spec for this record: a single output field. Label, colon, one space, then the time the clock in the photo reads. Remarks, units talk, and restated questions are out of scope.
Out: 3:30
